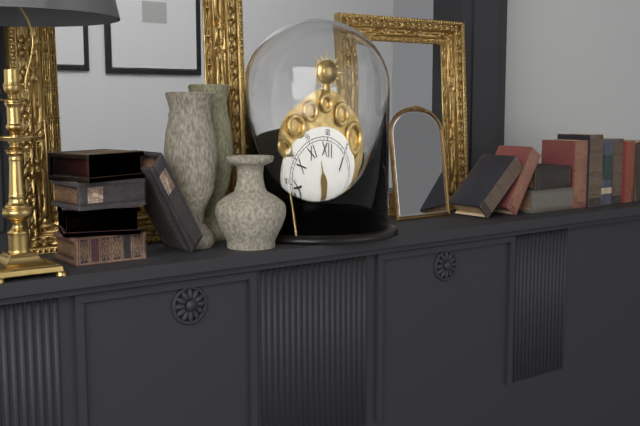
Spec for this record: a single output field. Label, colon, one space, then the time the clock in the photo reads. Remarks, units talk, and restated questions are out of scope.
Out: 11:23
